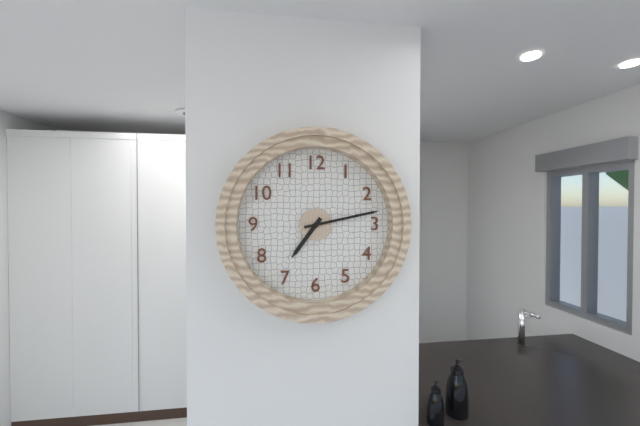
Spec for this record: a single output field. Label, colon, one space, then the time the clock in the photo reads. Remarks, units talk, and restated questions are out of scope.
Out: 7:13
